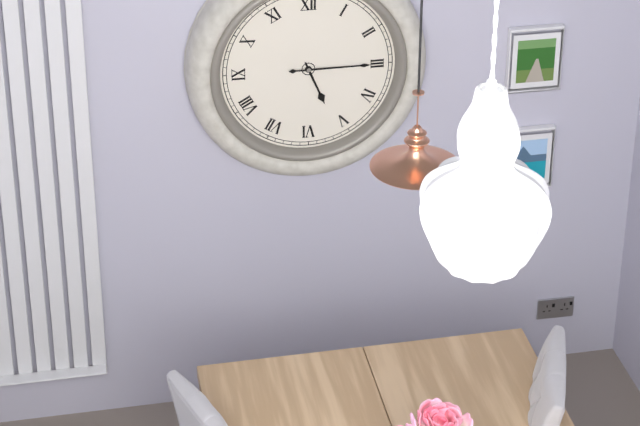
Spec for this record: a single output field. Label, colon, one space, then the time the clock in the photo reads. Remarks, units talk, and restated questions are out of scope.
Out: 5:15
